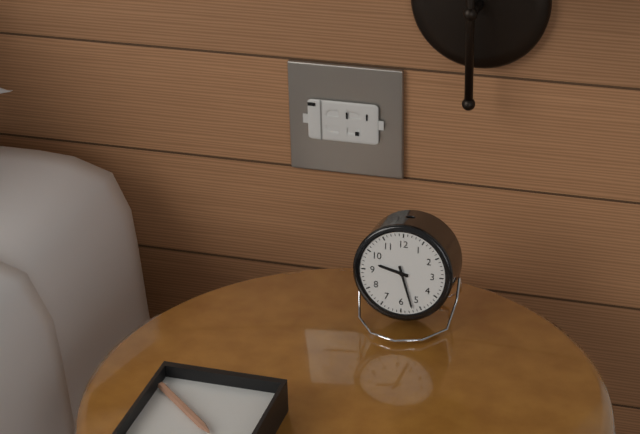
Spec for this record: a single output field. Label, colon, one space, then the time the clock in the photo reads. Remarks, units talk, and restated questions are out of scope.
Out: 9:27
